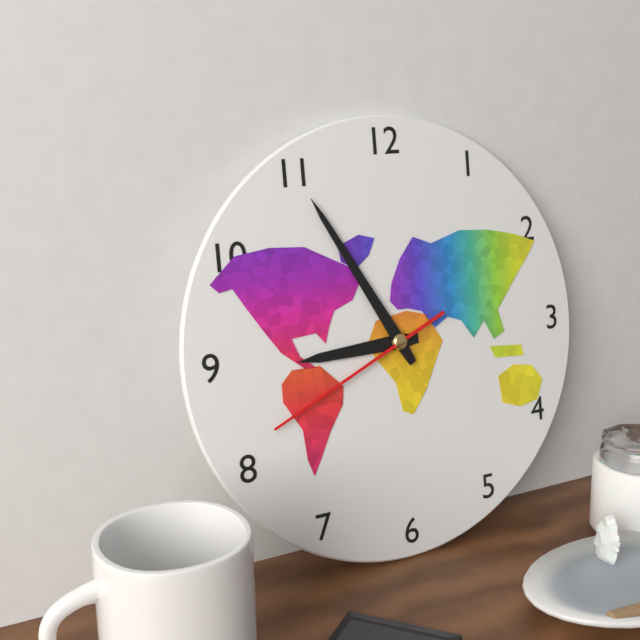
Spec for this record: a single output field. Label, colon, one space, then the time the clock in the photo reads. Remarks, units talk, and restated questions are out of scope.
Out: 8:55:41
